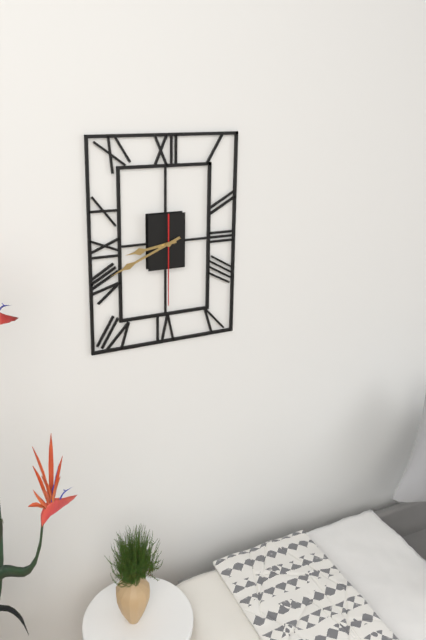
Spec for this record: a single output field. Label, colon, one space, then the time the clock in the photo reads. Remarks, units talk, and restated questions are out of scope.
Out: 8:41:30
